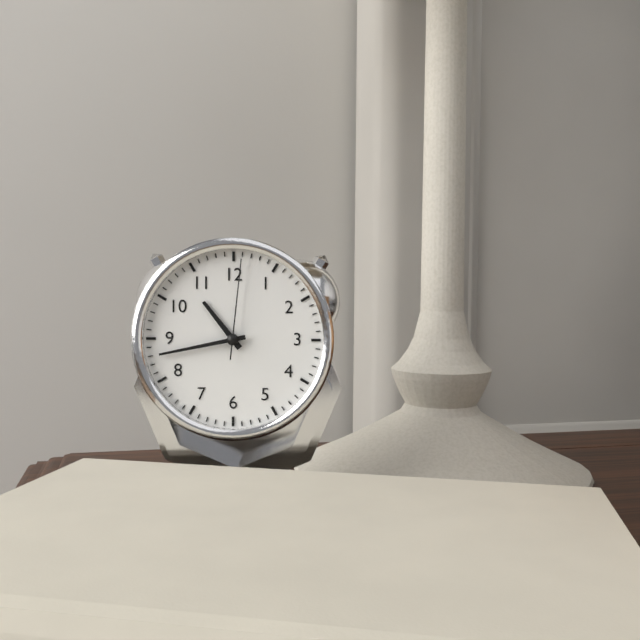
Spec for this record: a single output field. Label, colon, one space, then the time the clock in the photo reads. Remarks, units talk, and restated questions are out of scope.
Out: 10:43:01
